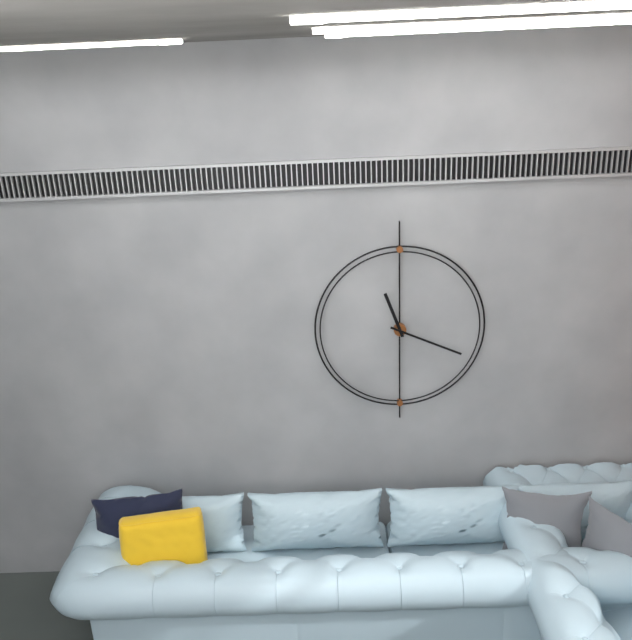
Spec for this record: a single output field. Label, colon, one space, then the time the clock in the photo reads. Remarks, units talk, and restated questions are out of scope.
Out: 11:19
